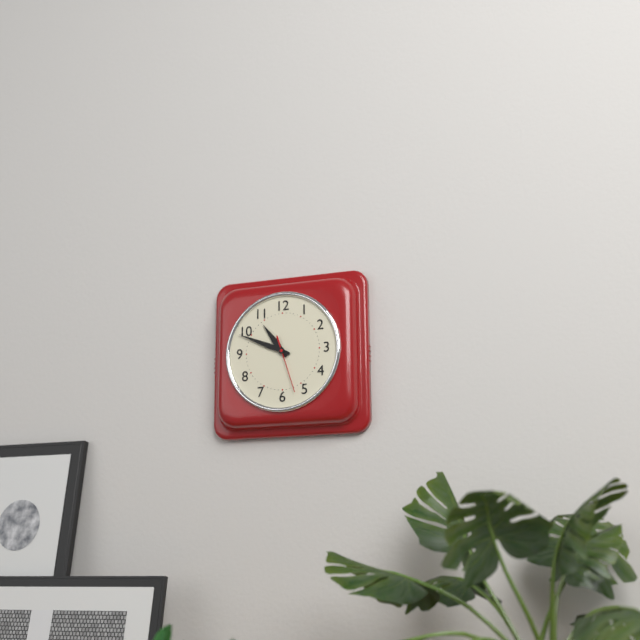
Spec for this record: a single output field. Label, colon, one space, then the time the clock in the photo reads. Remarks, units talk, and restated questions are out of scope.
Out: 10:49:27
